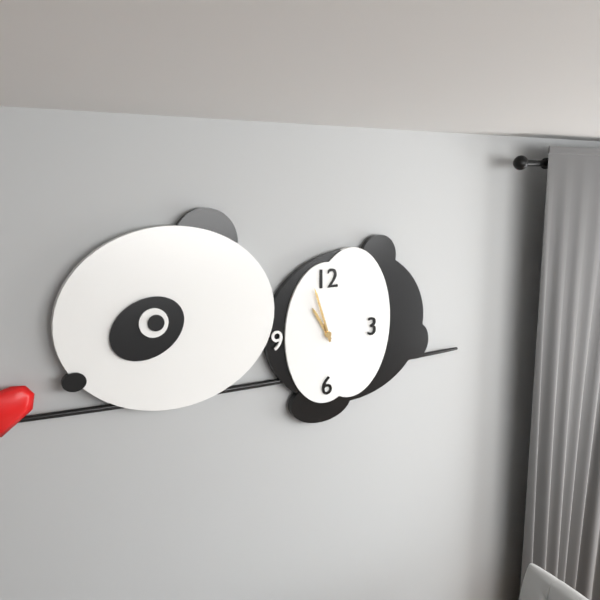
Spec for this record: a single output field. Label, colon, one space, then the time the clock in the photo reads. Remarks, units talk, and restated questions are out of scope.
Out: 10:57
